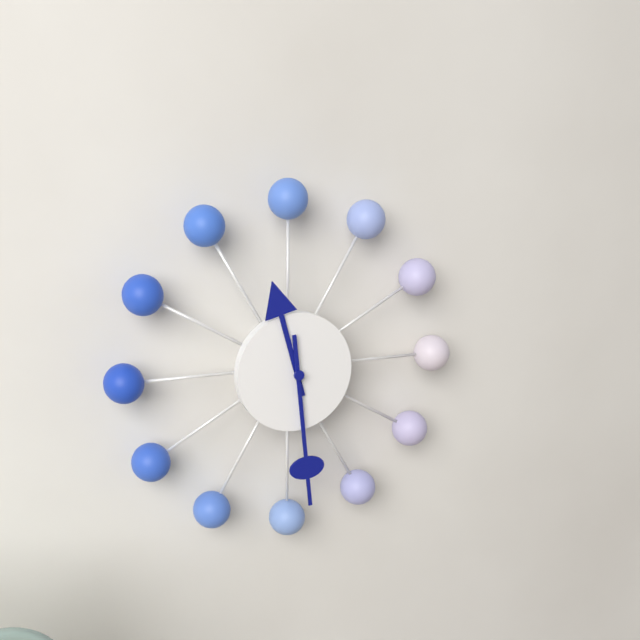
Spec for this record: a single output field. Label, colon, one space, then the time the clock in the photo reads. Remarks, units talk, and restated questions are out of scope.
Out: 11:29
